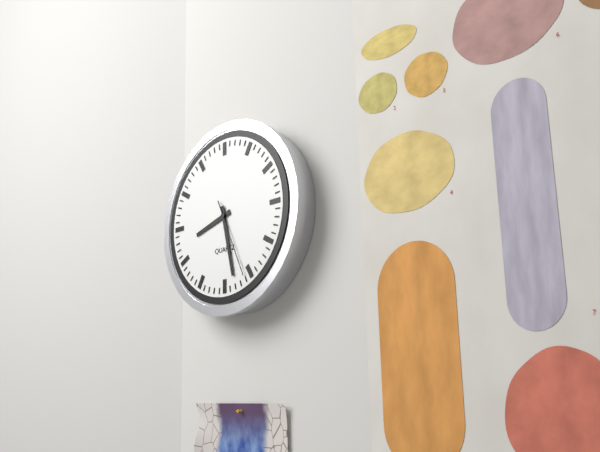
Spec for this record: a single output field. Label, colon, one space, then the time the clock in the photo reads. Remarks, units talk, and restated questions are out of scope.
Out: 8:28:26
